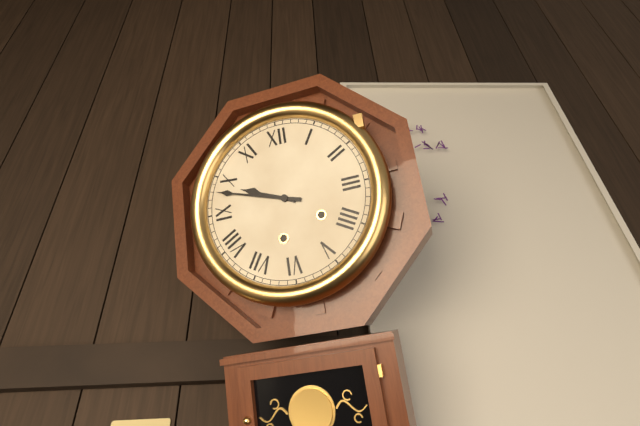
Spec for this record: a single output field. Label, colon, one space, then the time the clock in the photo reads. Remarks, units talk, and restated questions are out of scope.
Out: 9:48
